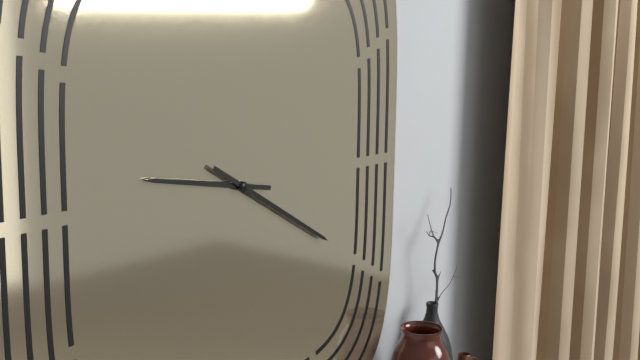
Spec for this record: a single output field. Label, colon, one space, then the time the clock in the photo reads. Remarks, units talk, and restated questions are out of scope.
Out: 9:20
